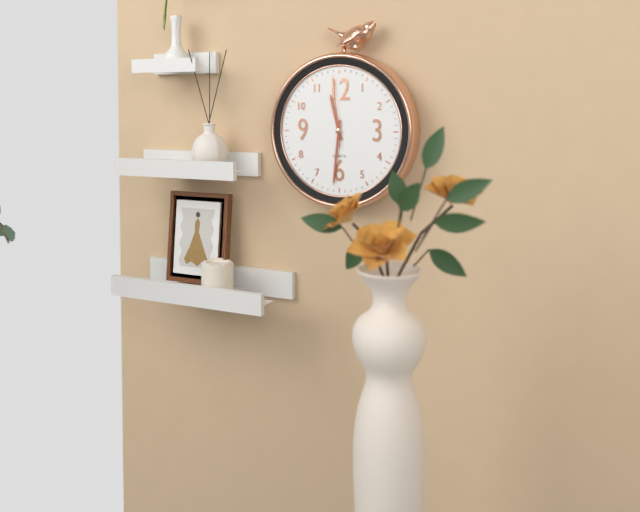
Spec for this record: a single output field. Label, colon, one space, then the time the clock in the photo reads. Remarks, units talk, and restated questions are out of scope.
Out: 11:31:59
